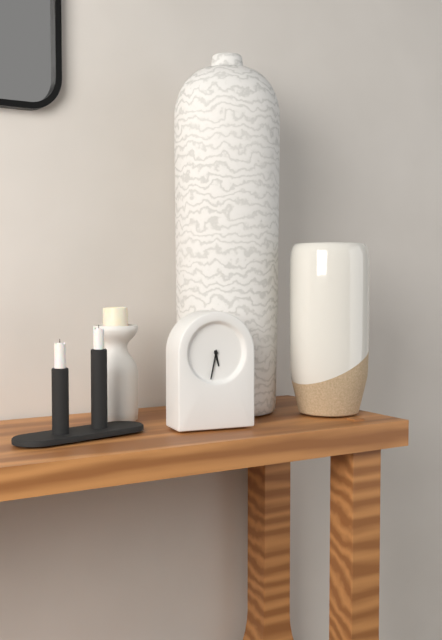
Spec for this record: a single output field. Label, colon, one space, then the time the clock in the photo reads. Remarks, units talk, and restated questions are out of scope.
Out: 5:32
